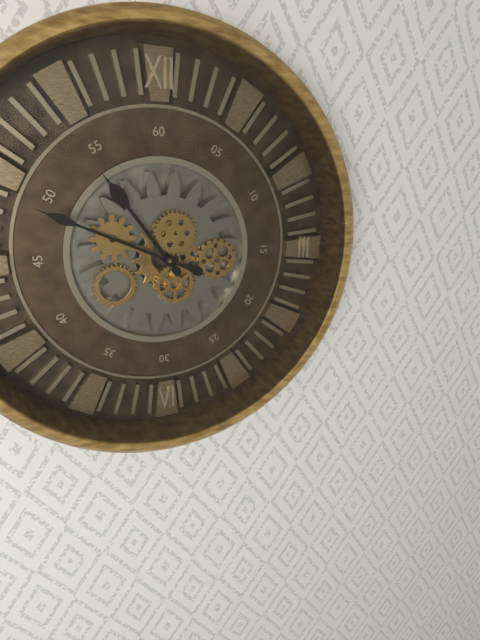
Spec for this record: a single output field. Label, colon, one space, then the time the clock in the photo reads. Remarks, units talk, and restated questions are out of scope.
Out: 10:49
